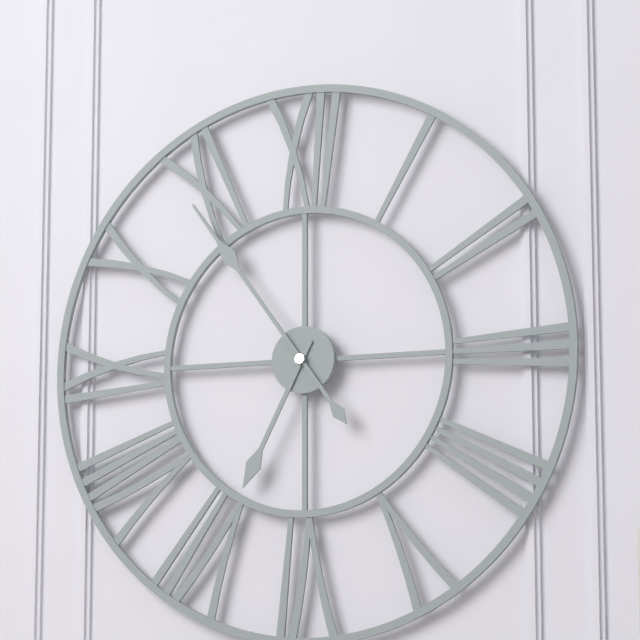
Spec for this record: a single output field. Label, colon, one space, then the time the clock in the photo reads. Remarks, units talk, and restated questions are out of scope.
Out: 6:54
